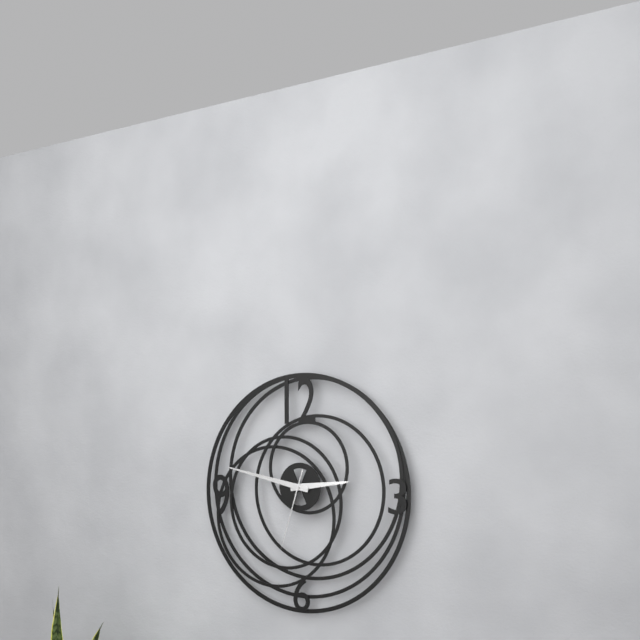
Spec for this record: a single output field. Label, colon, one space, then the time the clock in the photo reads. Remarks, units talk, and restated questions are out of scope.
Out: 2:47:33
